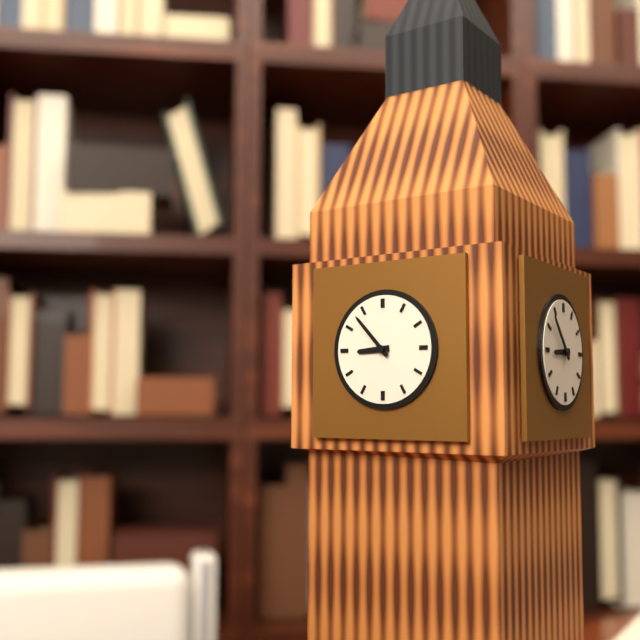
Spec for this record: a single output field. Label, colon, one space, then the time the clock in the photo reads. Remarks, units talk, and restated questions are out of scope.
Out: 8:53
